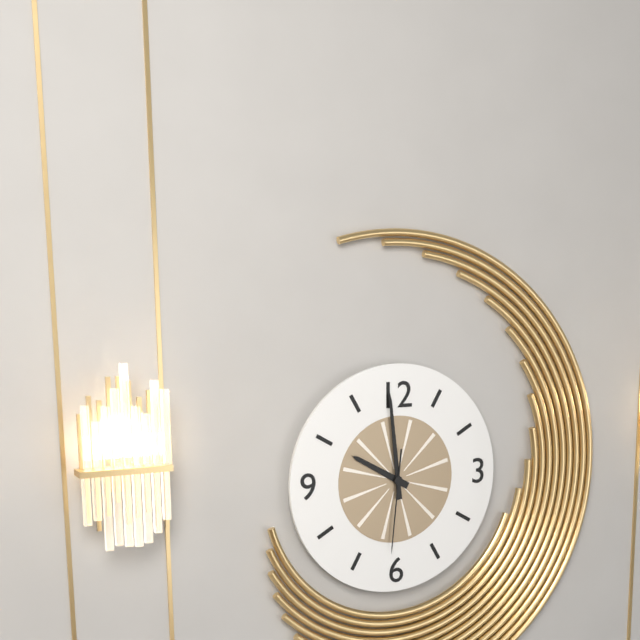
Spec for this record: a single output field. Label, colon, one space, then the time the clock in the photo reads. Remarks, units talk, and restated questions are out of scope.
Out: 9:59:31
